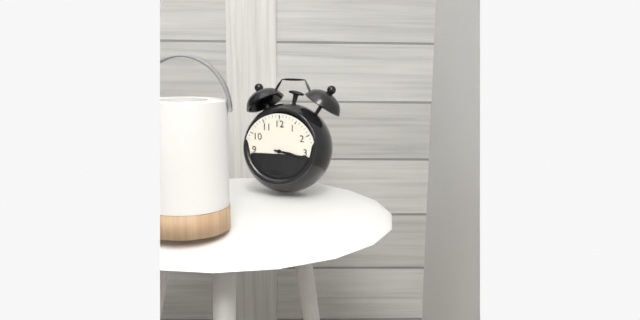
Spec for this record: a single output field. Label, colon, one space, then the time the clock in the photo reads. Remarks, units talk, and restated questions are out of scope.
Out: 3:17
